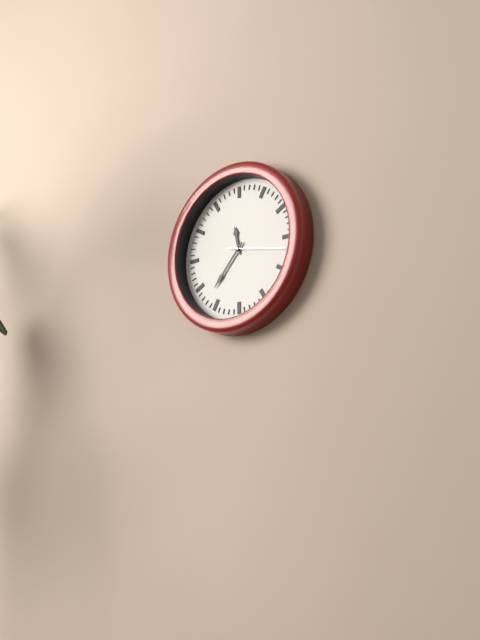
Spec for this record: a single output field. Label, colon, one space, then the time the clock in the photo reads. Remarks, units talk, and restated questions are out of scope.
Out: 11:37:17
